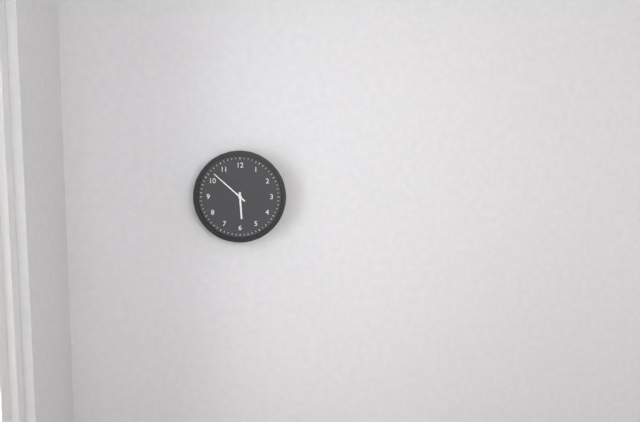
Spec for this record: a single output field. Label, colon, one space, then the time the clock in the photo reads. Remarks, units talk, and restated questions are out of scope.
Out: 5:52
